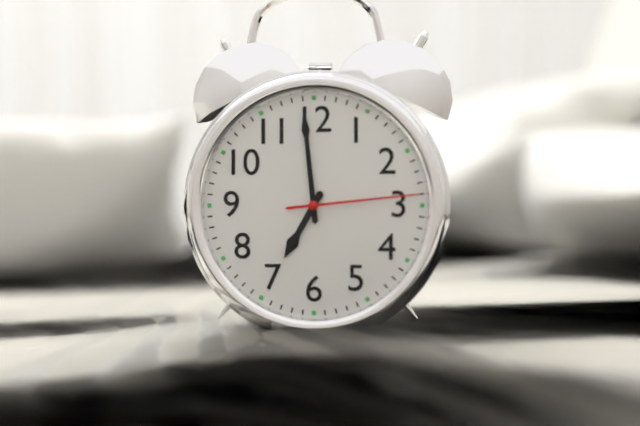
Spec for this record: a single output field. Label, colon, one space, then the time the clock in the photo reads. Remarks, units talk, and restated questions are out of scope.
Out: 6:59:14
